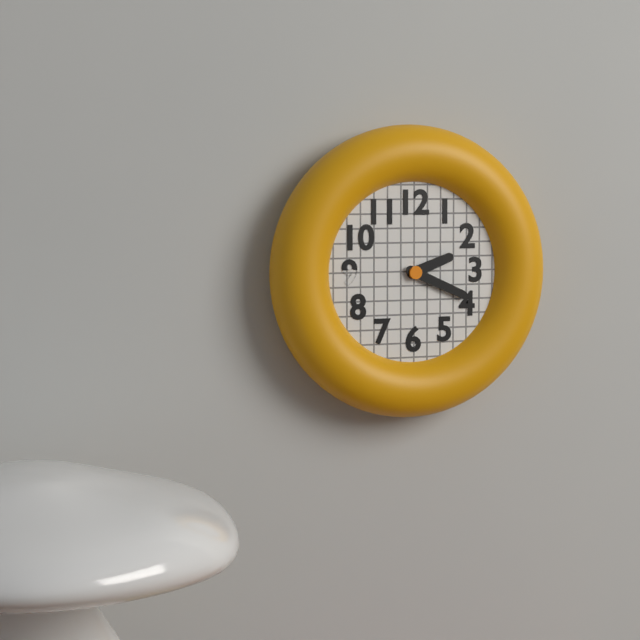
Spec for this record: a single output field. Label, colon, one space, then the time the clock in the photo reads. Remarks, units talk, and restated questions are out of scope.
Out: 2:19
